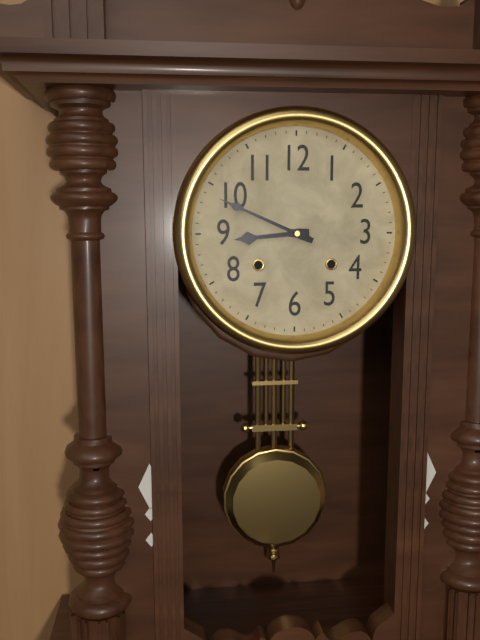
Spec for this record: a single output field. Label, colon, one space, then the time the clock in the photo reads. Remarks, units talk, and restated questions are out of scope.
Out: 8:49
